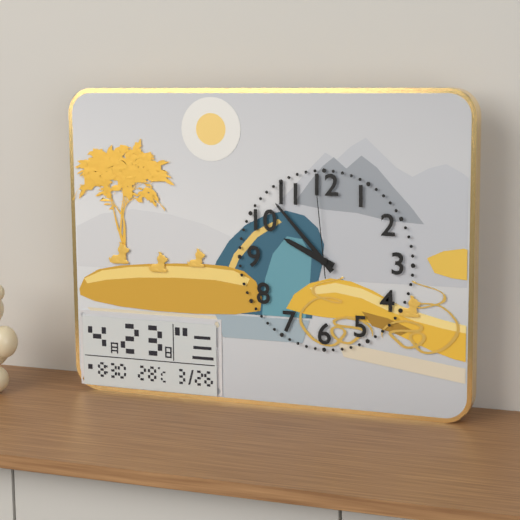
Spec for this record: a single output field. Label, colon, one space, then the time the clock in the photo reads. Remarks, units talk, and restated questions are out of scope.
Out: 9:53:59
